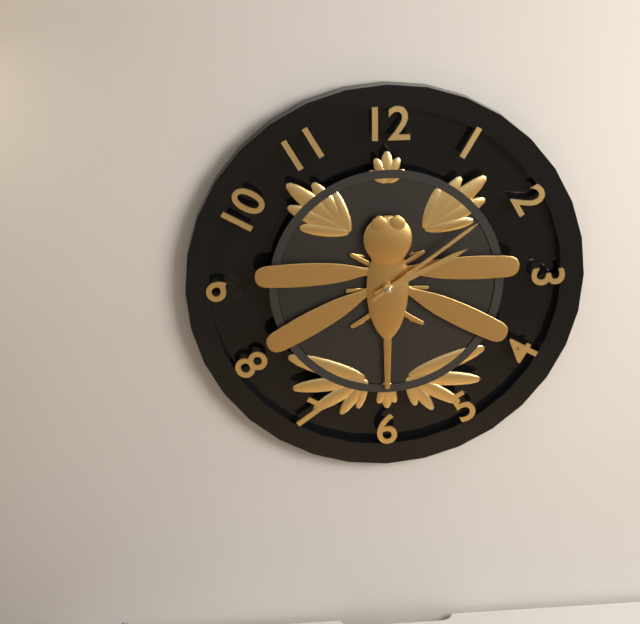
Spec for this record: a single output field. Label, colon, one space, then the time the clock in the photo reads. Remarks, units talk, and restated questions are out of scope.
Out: 2:09
